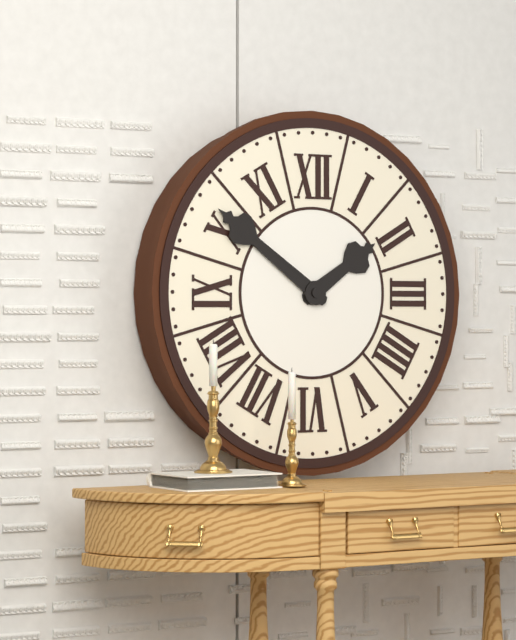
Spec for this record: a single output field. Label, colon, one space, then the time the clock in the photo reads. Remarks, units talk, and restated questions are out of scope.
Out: 1:51
